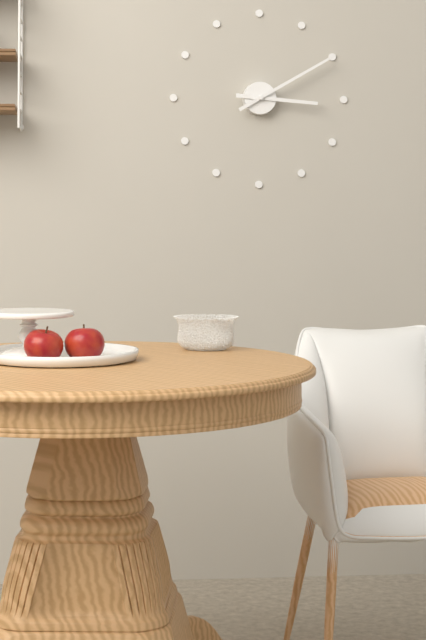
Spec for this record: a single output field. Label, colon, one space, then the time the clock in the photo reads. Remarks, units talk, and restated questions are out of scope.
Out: 3:10
